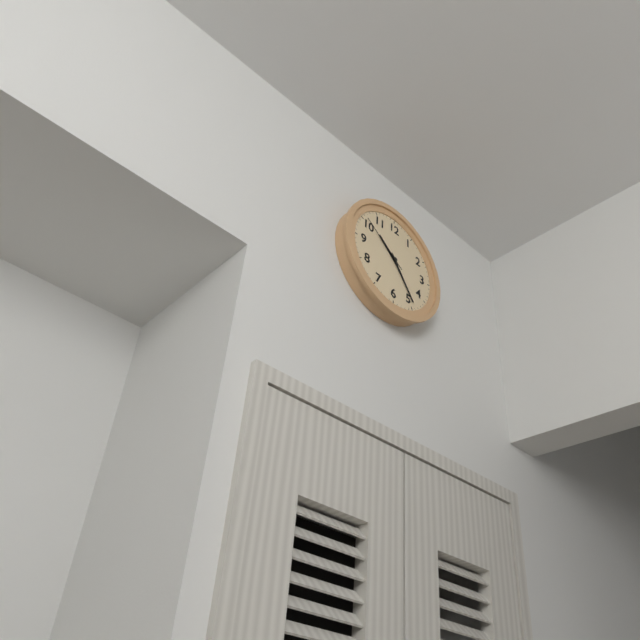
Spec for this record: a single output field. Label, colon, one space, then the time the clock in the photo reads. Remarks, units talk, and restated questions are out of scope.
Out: 10:24:51
